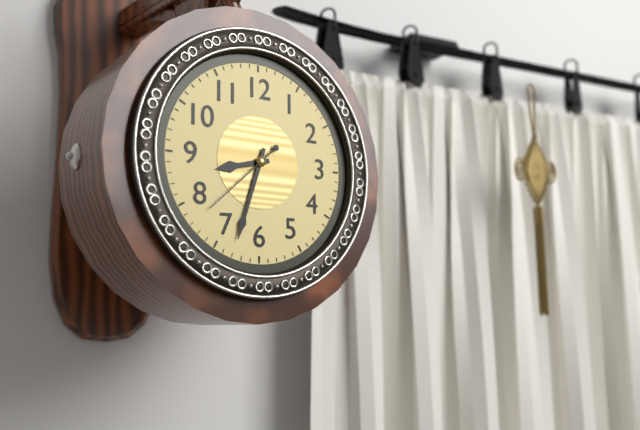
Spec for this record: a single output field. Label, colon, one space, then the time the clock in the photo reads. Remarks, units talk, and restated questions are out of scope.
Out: 8:33:38
